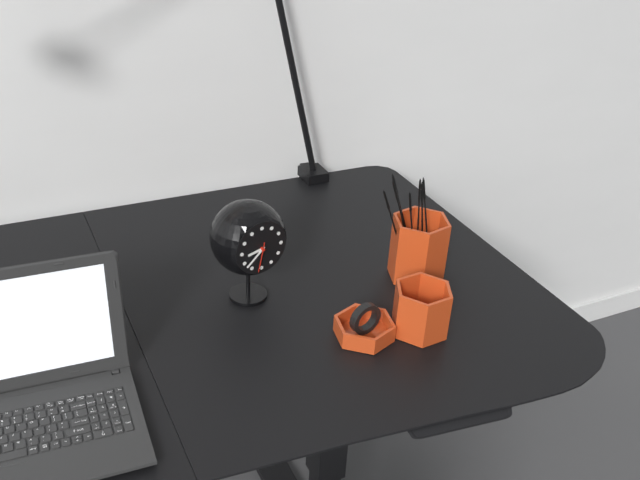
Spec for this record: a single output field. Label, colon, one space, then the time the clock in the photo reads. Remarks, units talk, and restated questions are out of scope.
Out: 8:38
